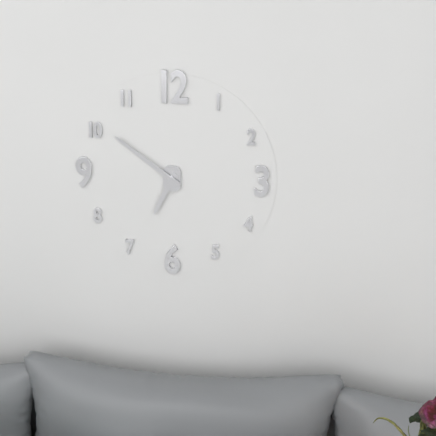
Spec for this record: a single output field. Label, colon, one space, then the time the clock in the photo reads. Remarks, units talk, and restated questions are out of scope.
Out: 6:51
